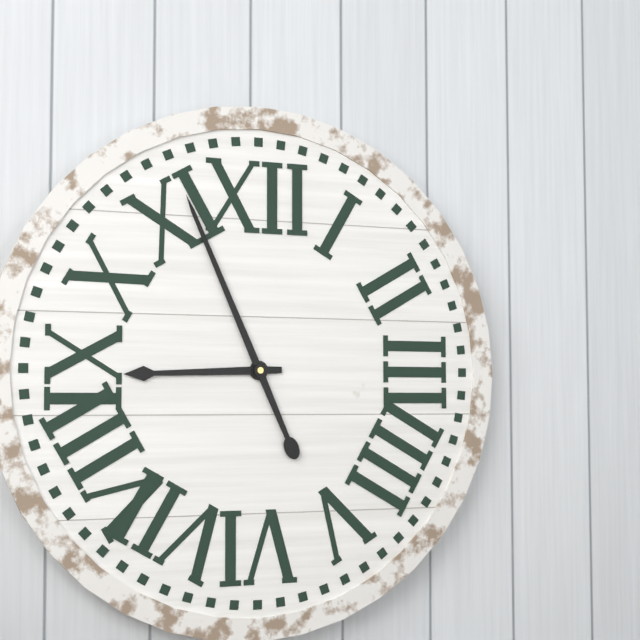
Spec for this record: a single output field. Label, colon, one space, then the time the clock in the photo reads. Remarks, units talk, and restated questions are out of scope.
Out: 8:56
